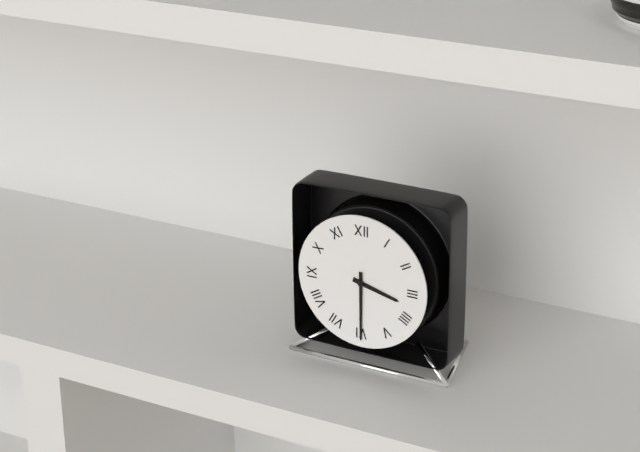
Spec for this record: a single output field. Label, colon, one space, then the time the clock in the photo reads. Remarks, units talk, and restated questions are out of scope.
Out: 3:30
